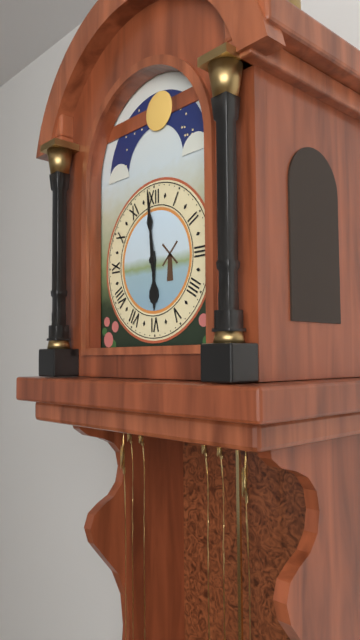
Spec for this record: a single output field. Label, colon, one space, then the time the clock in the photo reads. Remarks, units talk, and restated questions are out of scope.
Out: 5:59
